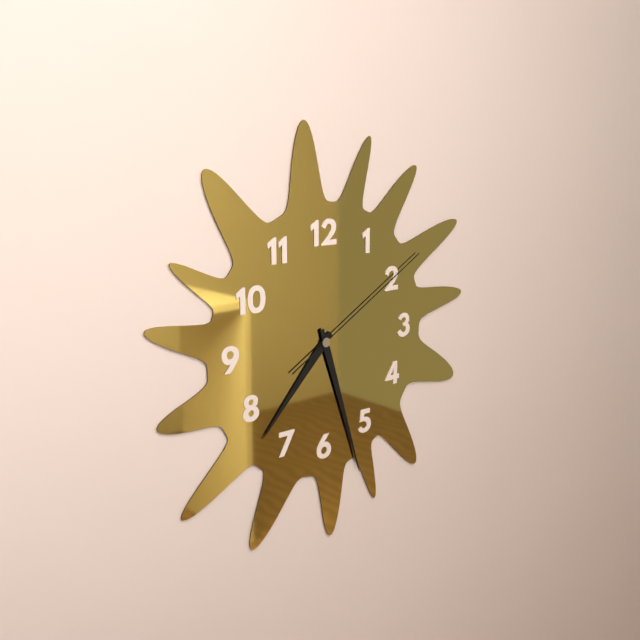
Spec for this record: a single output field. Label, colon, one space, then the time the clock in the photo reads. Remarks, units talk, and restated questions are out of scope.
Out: 7:27:10
